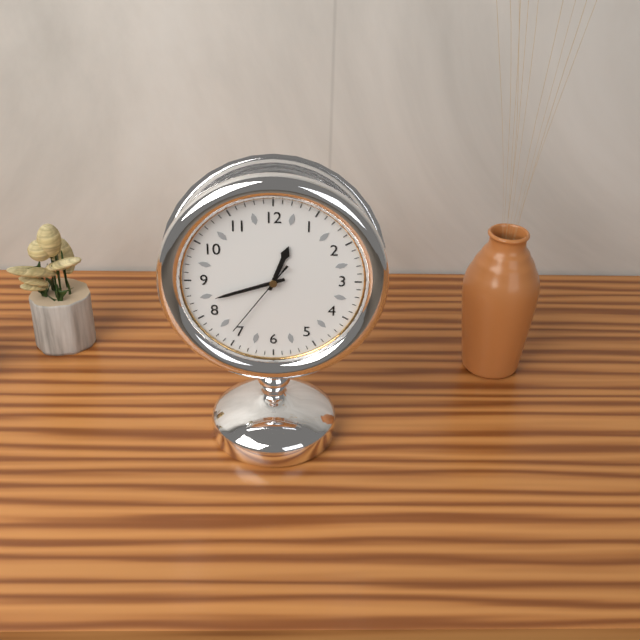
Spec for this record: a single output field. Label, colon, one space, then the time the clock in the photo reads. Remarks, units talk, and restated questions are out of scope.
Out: 12:42:36
